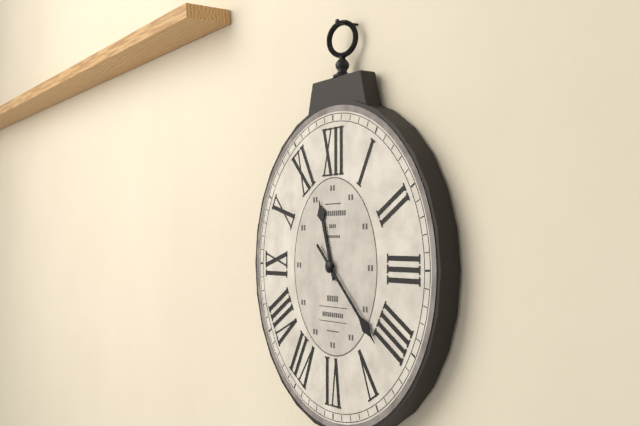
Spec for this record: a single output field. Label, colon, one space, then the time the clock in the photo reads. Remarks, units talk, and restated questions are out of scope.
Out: 11:22
